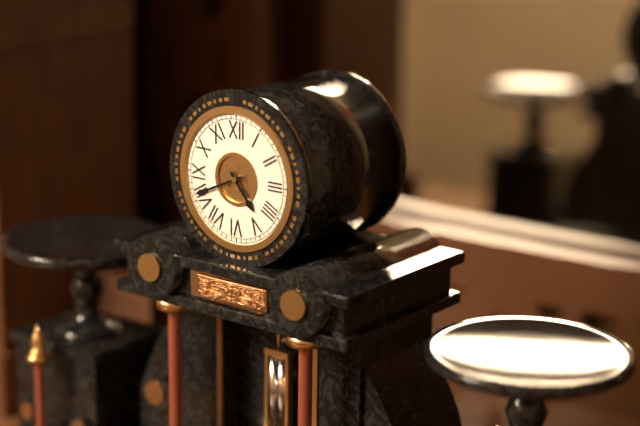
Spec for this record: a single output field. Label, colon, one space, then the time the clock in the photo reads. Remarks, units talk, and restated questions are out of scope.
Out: 4:41
